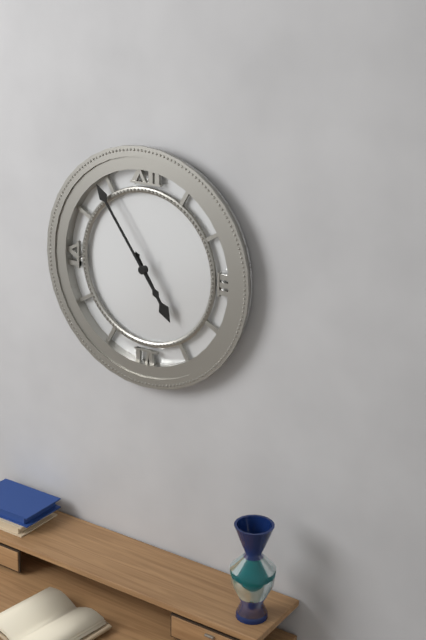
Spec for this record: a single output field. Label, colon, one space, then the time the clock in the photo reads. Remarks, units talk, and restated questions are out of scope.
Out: 4:54
